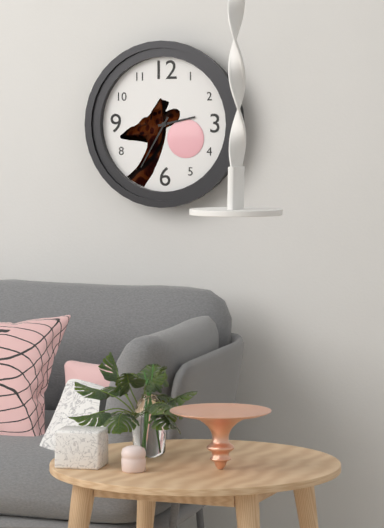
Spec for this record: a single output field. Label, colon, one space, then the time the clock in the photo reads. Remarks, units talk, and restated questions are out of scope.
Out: 2:35
